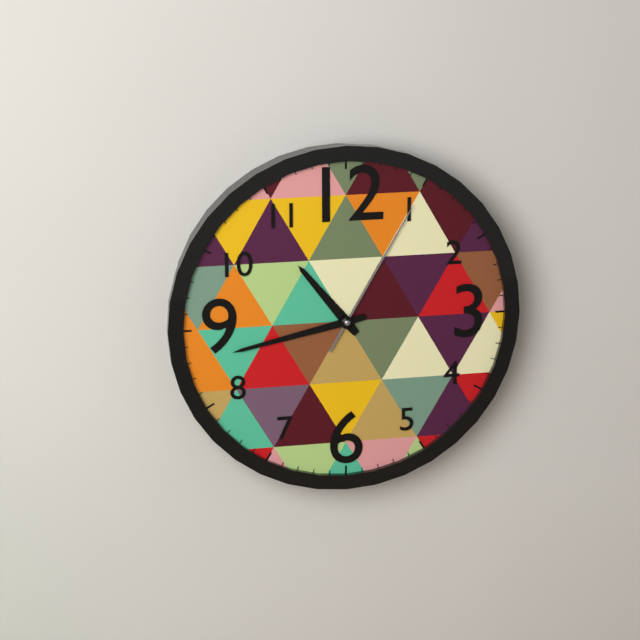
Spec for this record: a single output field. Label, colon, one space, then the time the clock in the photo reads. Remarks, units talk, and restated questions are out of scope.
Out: 10:43:05
